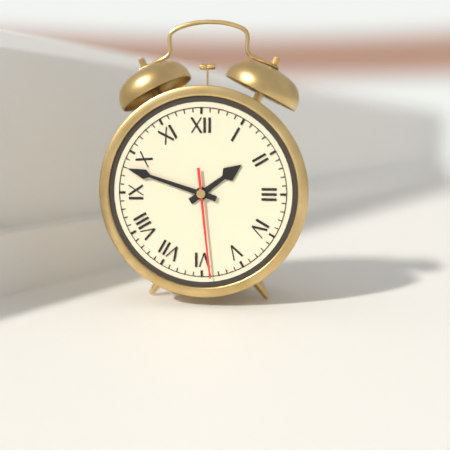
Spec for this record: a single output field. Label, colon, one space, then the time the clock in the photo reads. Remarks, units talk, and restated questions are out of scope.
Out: 1:48:29
